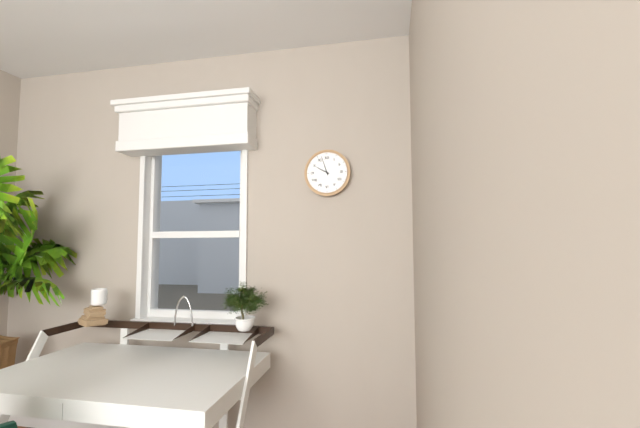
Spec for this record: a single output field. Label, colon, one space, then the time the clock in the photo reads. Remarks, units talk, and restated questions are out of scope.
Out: 9:57
